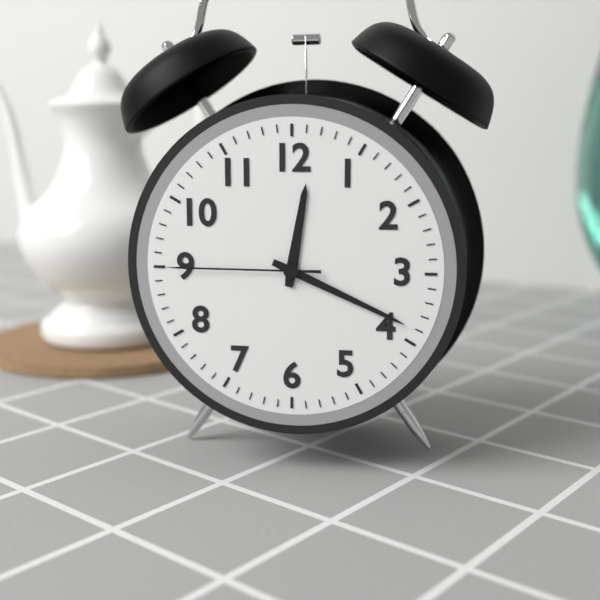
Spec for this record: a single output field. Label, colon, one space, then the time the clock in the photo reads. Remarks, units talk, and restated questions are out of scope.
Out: 12:19:45
